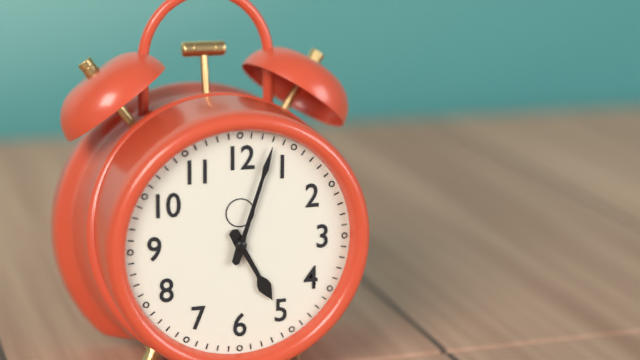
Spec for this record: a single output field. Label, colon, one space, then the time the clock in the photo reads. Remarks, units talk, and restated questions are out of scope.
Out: 5:03
